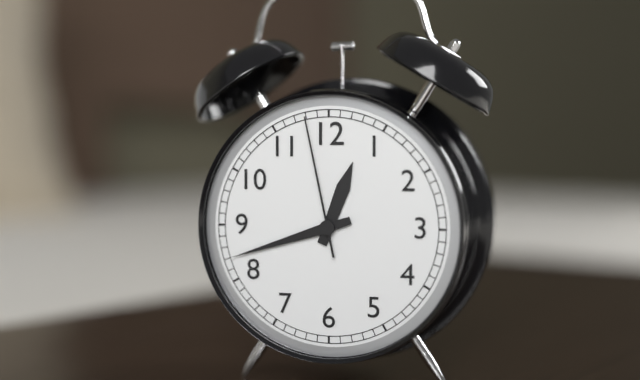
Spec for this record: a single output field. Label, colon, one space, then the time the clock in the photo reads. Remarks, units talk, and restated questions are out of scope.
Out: 12:42:58
